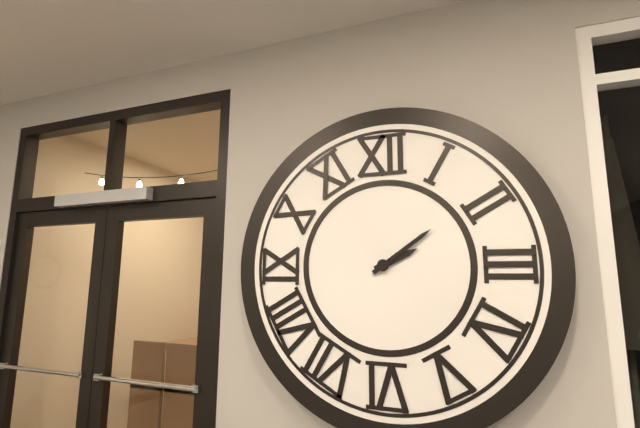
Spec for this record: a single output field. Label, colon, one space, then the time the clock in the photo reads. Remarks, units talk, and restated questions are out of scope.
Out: 2:09
